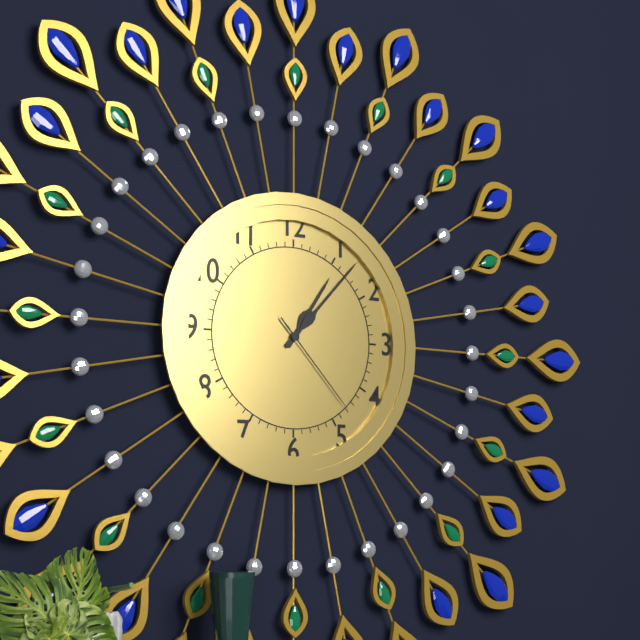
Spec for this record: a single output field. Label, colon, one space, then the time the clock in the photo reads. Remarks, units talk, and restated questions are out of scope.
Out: 1:07:23
